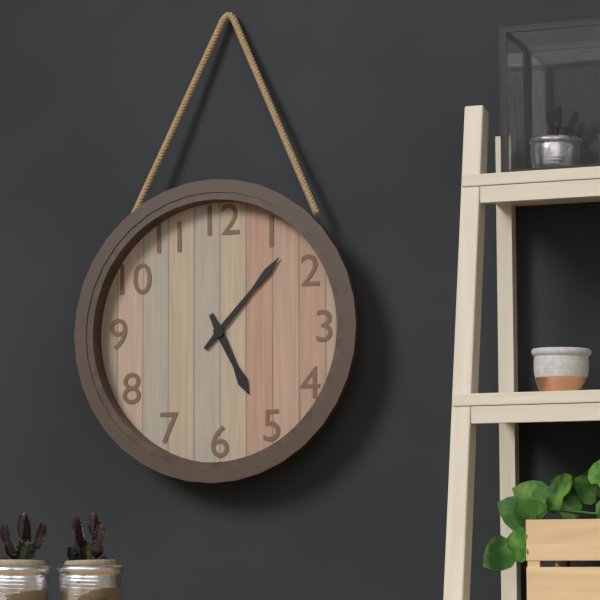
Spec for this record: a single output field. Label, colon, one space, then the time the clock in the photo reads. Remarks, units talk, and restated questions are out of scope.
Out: 5:07
